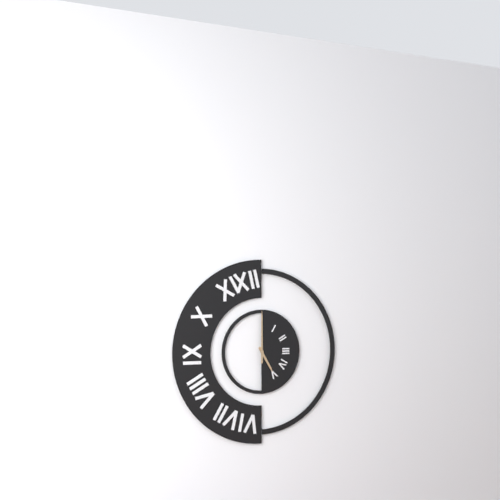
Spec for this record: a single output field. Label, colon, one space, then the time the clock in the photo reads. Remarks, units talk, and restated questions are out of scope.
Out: 5:00
